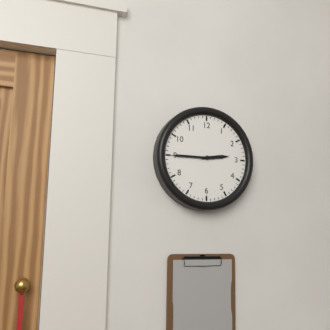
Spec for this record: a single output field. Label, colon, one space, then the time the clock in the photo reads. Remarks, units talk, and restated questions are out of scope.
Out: 2:45
